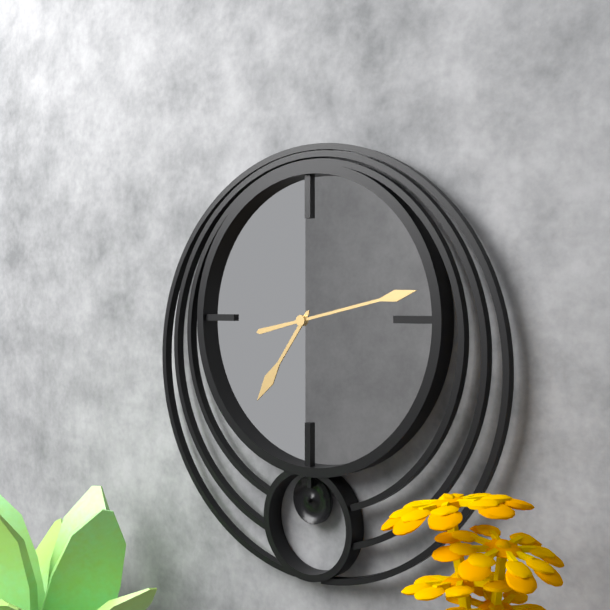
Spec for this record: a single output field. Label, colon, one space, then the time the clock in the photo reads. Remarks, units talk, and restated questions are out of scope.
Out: 7:13
